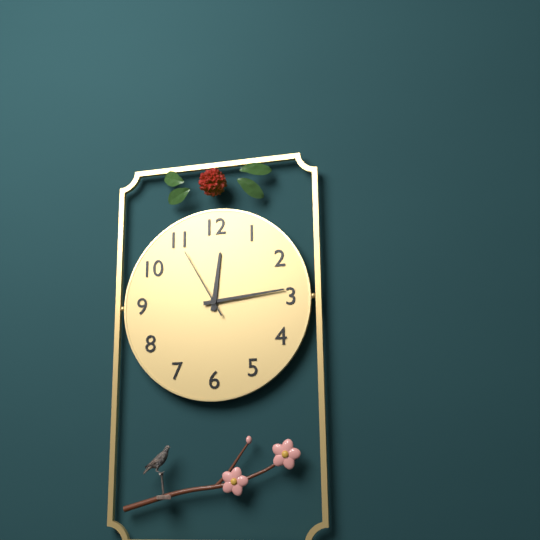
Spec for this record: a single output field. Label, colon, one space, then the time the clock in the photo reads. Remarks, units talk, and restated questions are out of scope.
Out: 12:14:55
